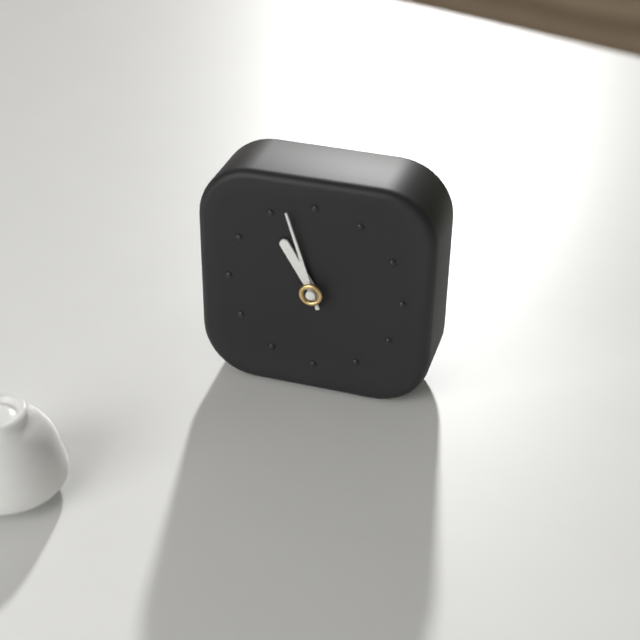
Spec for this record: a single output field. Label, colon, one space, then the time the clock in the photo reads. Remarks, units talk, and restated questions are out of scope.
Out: 10:57
